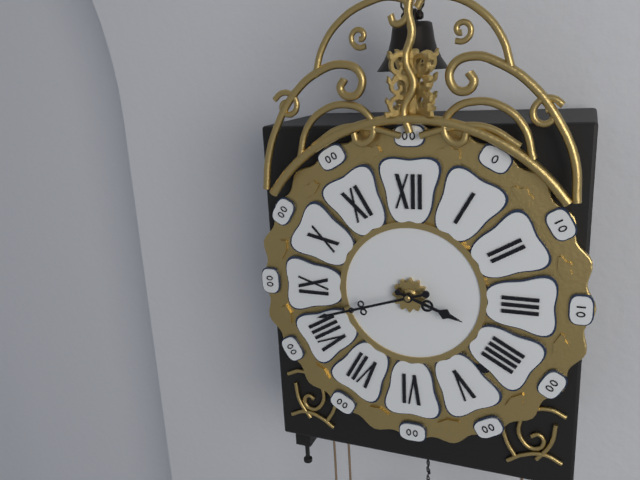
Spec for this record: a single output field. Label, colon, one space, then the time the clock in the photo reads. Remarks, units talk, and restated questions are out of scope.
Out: 3:42
